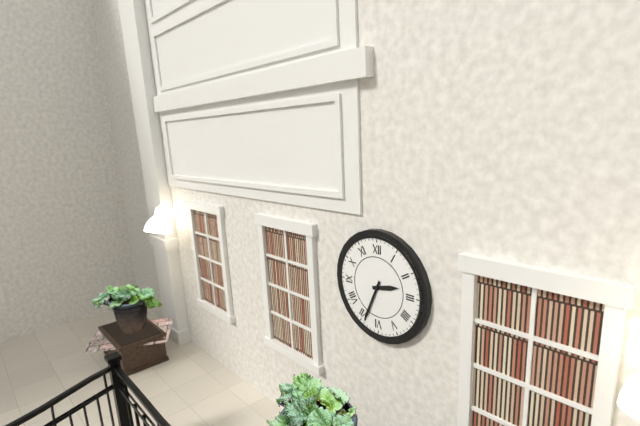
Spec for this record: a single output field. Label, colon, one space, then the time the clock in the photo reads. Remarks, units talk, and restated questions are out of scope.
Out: 2:34
